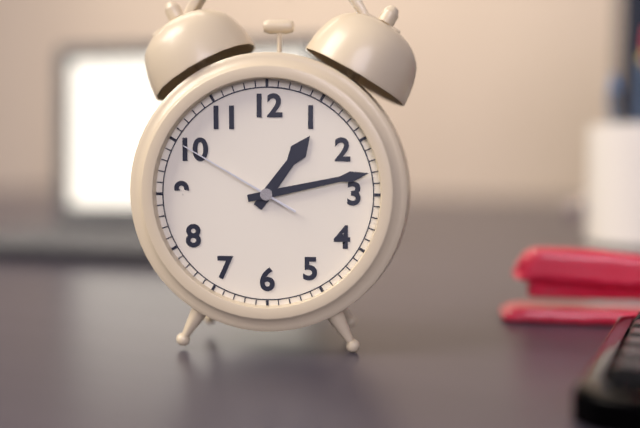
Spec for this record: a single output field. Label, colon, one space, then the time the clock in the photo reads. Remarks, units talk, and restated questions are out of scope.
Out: 1:13:50
